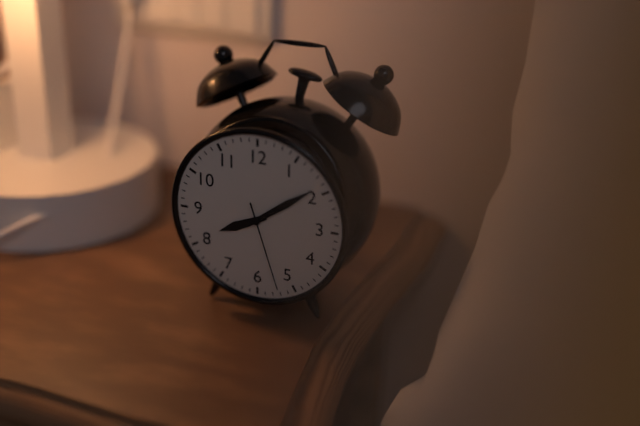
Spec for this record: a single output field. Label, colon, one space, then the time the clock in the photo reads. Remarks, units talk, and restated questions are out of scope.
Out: 8:09:27
